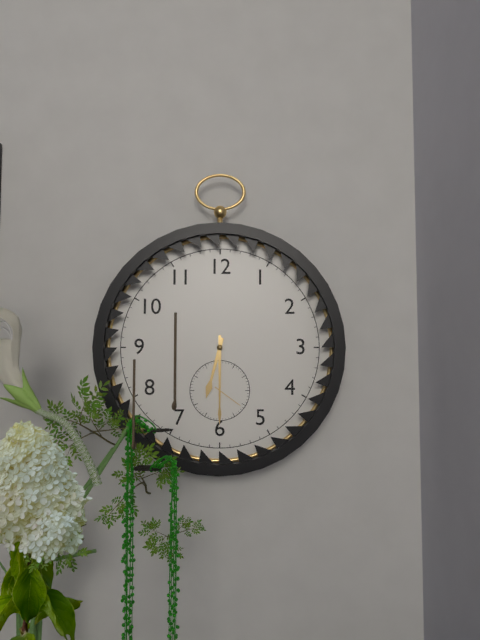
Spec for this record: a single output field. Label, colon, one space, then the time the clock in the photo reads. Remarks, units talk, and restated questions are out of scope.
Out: 6:30
